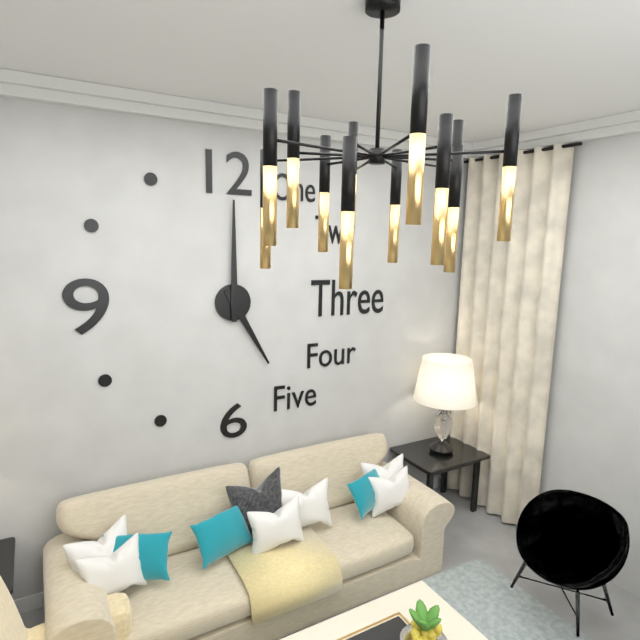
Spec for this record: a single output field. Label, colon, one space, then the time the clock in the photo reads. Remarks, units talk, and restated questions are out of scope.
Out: 5:00
